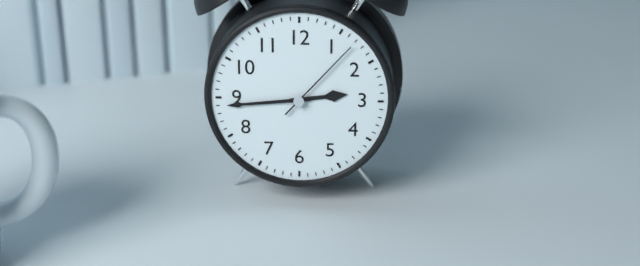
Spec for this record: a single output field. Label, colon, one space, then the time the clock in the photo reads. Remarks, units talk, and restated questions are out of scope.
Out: 2:44:07
